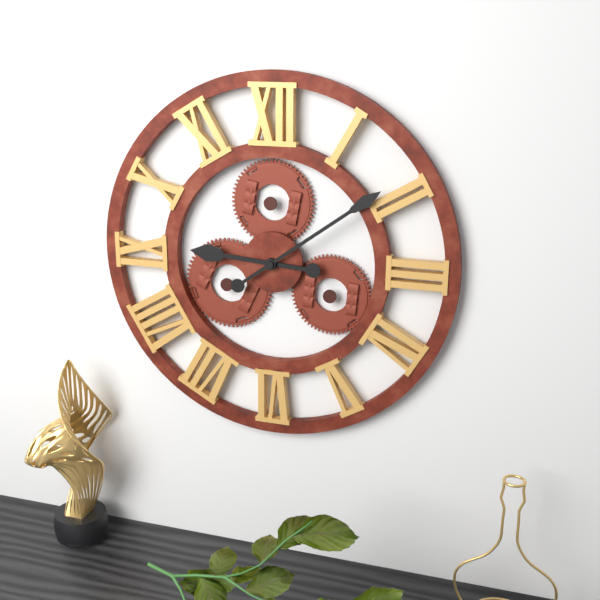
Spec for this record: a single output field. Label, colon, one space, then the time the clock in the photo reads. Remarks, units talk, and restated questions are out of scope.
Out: 9:09
